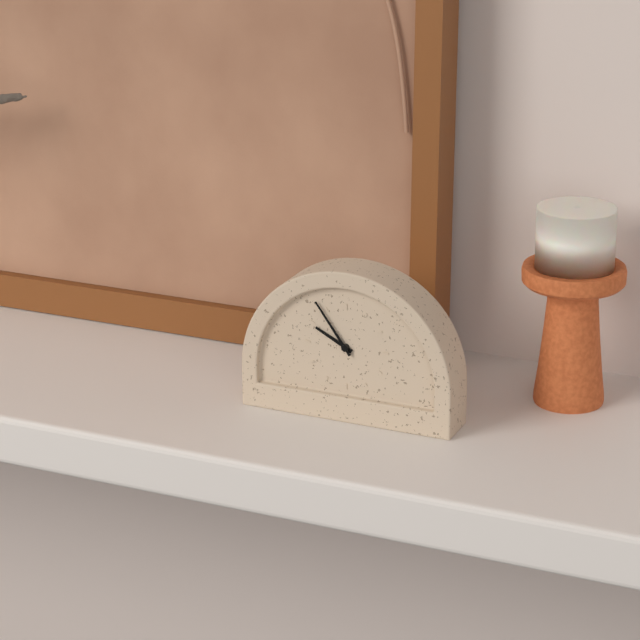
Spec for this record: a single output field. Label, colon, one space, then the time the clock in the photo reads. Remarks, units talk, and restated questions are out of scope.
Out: 9:54
